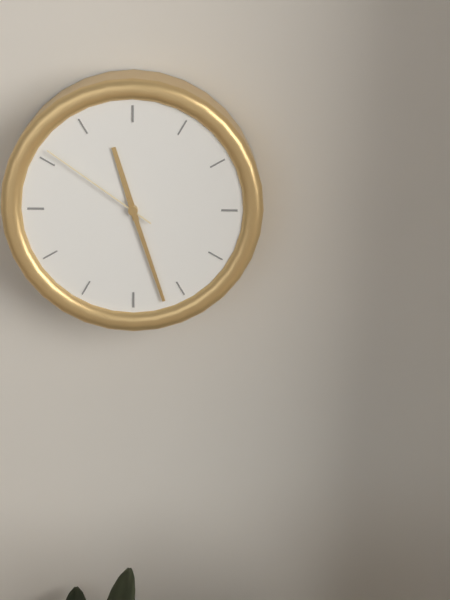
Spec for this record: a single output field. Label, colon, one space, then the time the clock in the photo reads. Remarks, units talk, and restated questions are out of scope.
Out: 11:27:51
